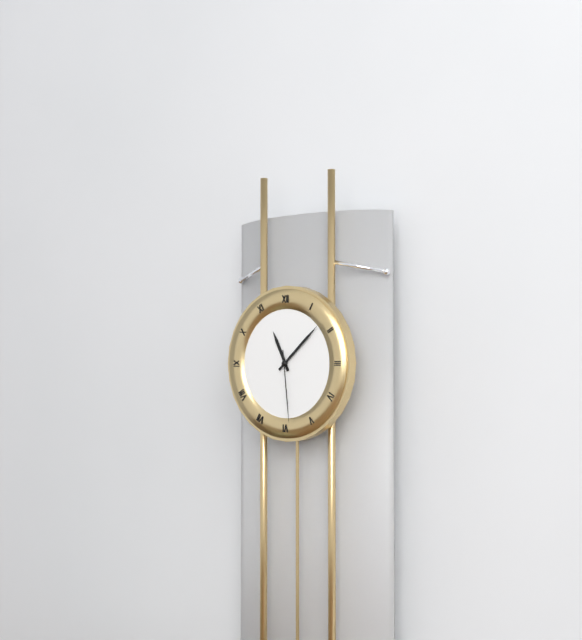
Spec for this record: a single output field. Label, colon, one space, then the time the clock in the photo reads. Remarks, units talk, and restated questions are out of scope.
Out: 11:08:29
